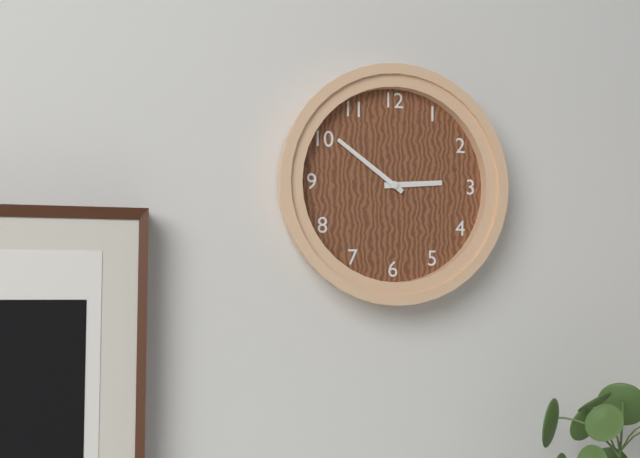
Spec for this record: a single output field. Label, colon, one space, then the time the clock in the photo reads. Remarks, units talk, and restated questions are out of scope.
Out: 2:51
